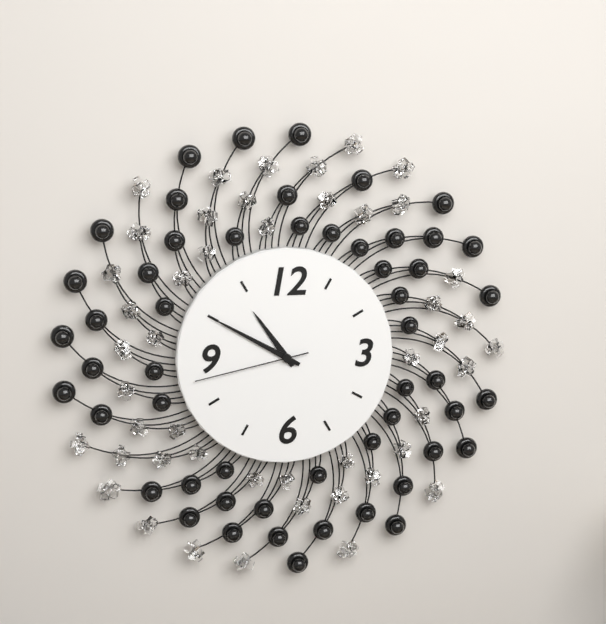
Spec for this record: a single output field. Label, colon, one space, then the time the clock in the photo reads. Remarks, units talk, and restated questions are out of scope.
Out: 10:50:43
